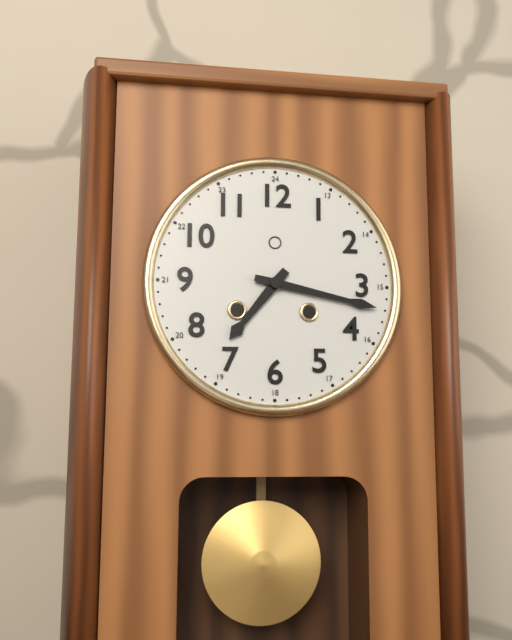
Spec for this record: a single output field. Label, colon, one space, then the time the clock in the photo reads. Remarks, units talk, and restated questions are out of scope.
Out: 7:17
